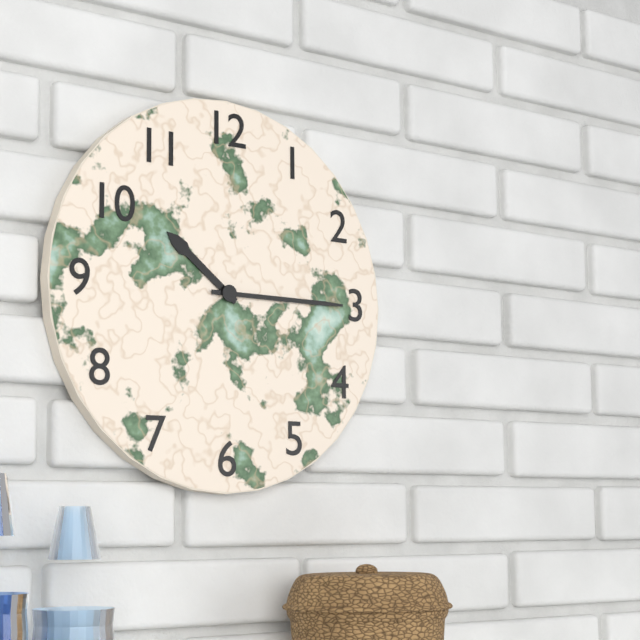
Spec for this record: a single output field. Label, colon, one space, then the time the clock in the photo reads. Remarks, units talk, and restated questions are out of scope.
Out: 10:15
